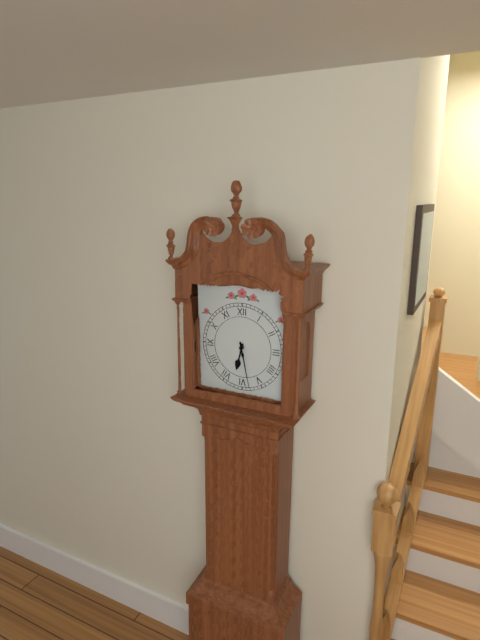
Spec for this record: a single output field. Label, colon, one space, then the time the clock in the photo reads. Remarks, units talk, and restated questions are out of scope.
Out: 6:28
